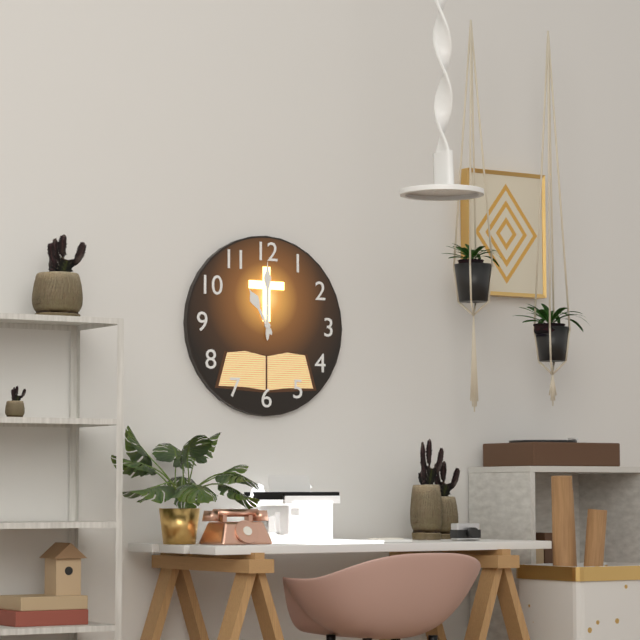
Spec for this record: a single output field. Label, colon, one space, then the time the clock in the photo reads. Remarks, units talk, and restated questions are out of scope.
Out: 11:00
